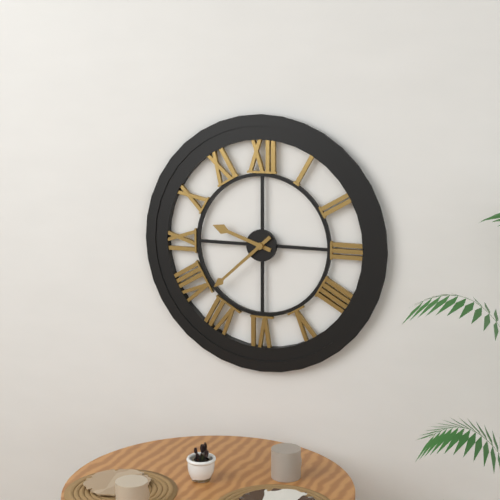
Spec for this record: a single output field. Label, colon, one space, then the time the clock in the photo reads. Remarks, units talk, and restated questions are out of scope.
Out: 9:38
